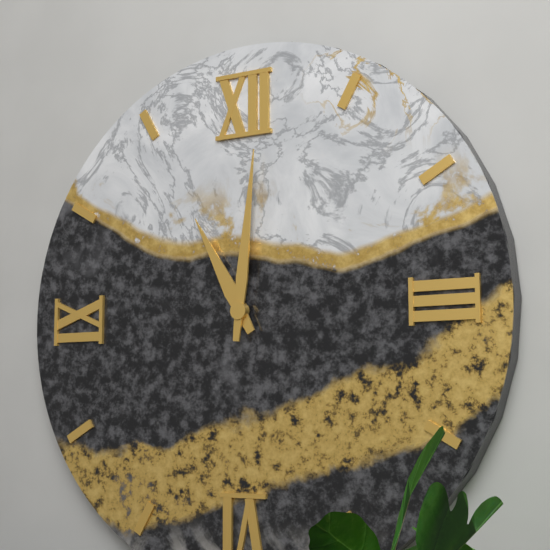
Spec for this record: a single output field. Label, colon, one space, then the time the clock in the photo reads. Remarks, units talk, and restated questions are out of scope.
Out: 11:01
